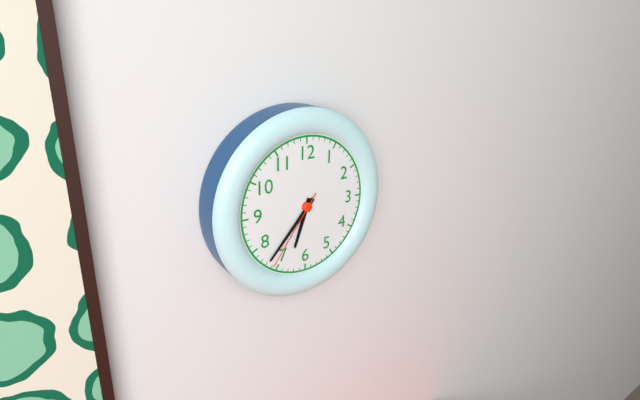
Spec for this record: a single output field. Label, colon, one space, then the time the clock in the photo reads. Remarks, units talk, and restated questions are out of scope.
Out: 6:37:36
